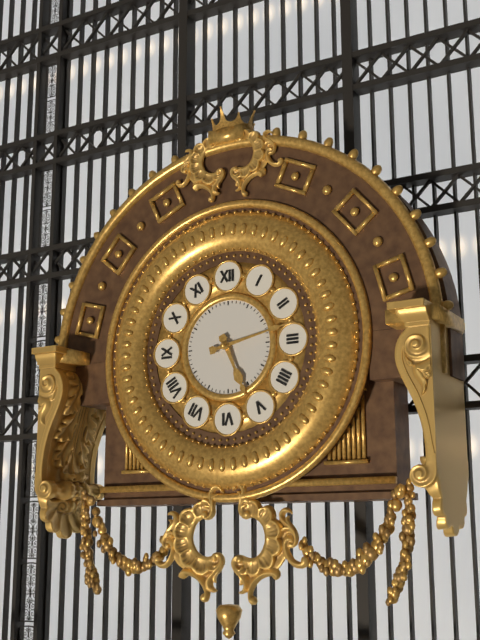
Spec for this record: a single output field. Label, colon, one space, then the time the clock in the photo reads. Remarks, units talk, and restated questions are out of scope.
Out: 5:13
